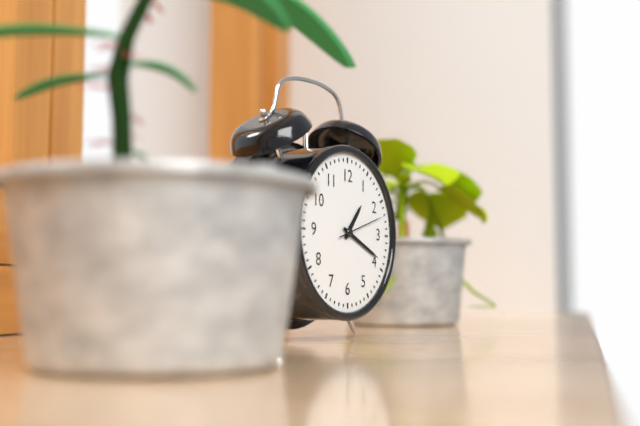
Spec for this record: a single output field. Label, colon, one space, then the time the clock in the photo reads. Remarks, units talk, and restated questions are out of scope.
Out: 1:19
